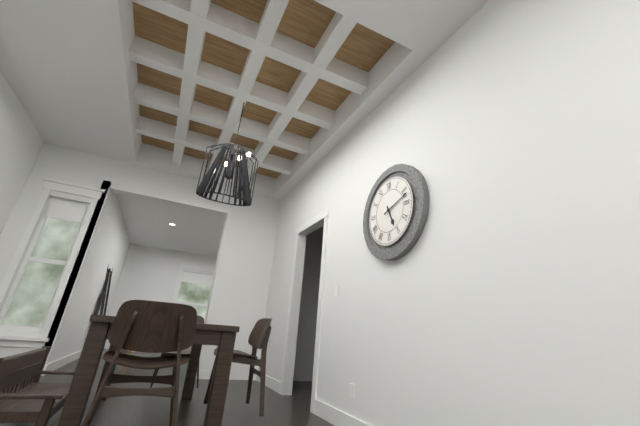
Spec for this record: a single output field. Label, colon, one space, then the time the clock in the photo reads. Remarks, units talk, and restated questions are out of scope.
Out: 5:12
